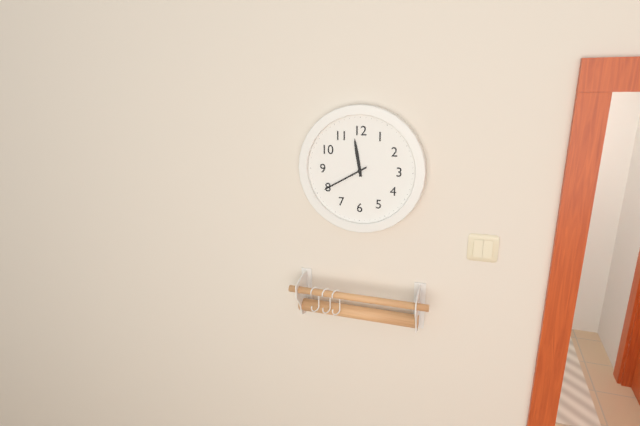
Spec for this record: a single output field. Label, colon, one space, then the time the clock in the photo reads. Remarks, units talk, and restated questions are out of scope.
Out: 11:40
